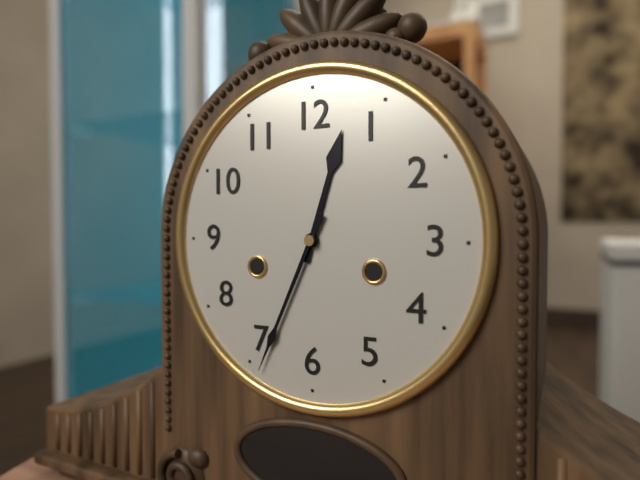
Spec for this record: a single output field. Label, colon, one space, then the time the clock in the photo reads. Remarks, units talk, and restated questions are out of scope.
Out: 12:34
